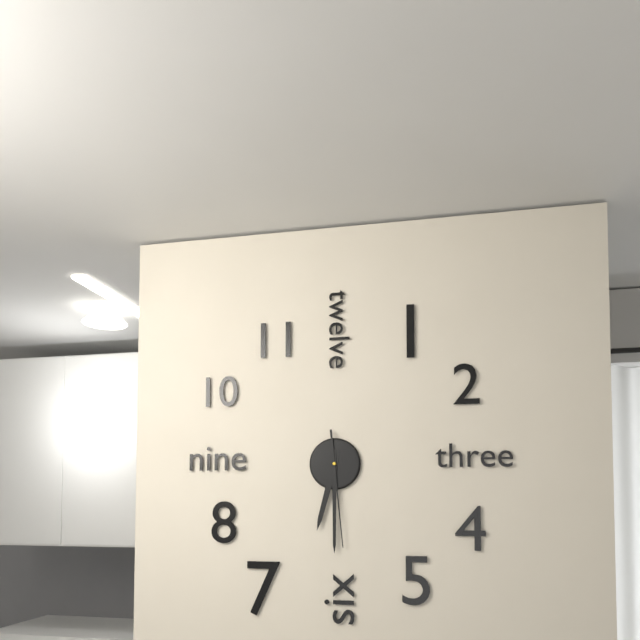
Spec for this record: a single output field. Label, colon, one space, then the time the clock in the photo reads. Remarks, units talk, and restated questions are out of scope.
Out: 6:30:29
